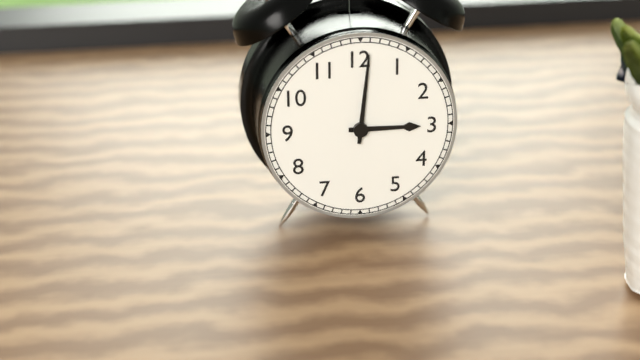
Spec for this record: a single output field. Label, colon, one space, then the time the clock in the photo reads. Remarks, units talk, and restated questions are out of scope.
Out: 3:01
